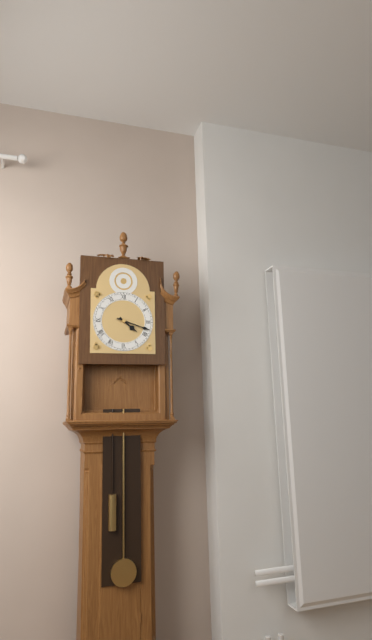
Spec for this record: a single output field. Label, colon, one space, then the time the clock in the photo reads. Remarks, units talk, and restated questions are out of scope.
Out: 4:18
